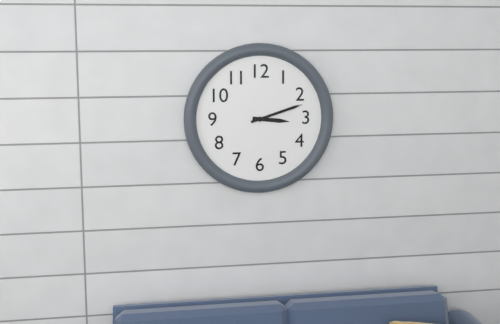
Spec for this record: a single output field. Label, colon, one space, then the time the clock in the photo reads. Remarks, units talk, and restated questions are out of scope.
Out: 3:12
